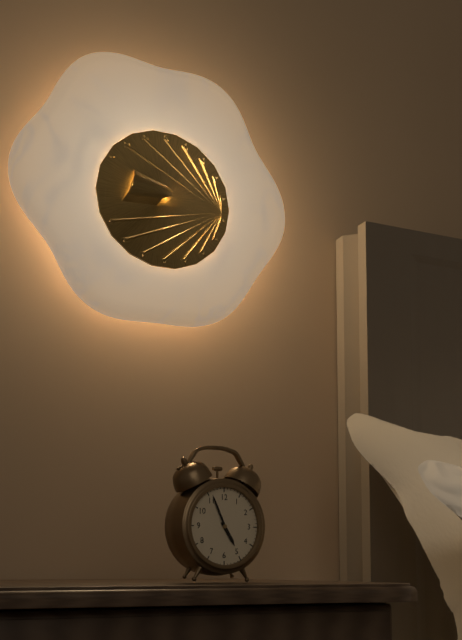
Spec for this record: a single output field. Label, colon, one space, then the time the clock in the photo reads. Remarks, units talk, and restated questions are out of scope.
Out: 4:56
